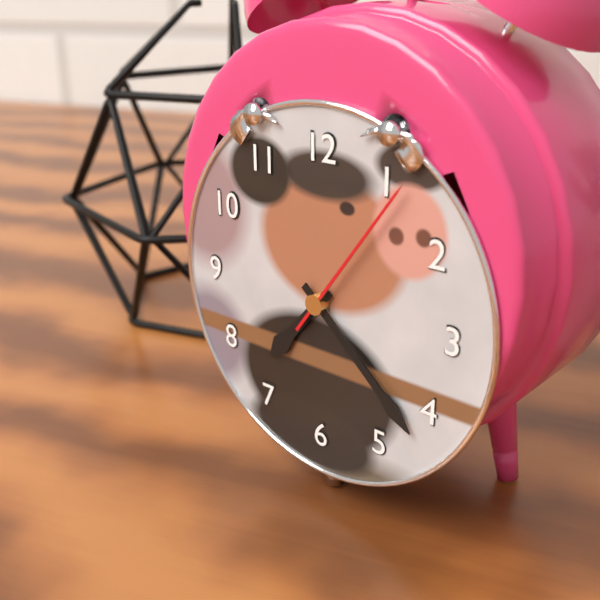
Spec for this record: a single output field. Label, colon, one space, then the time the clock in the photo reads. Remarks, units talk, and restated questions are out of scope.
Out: 7:22:06
